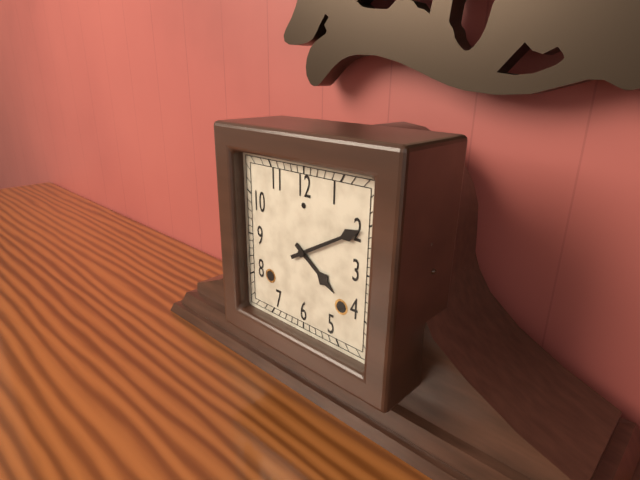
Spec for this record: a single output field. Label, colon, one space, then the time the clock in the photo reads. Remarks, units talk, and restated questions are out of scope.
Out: 4:10
